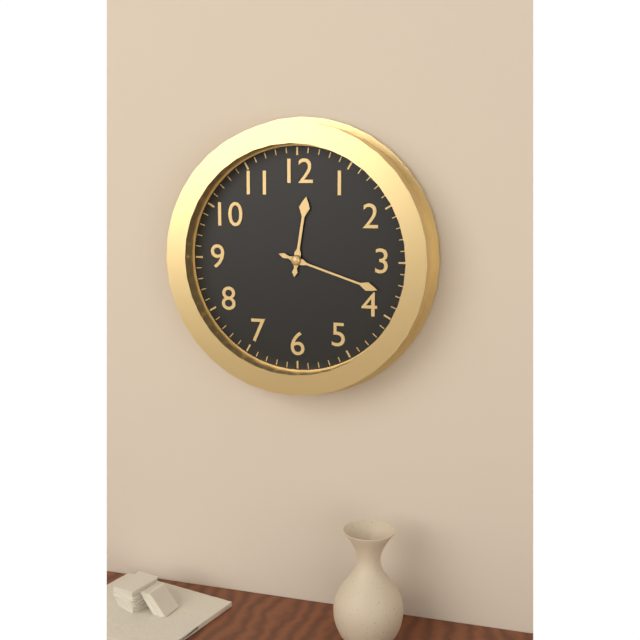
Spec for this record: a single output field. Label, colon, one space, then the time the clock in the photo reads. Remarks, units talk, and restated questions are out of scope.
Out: 12:18
